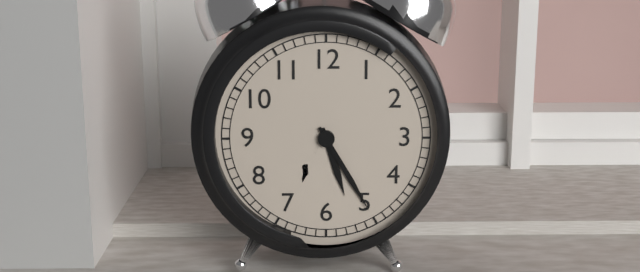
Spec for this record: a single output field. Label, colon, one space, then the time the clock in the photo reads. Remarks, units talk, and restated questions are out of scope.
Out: 5:25
